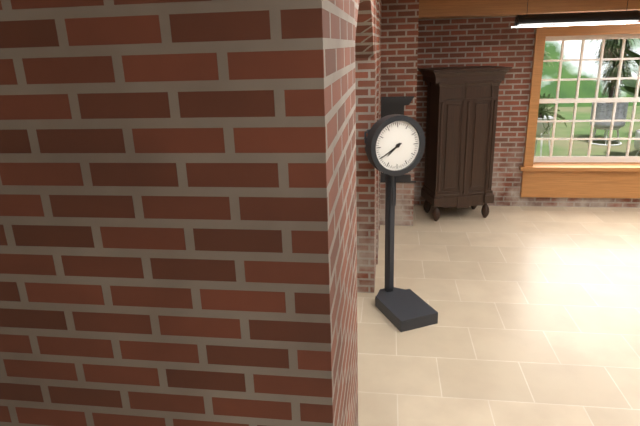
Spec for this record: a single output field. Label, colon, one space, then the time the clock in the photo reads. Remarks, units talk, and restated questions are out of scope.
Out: 7:40
